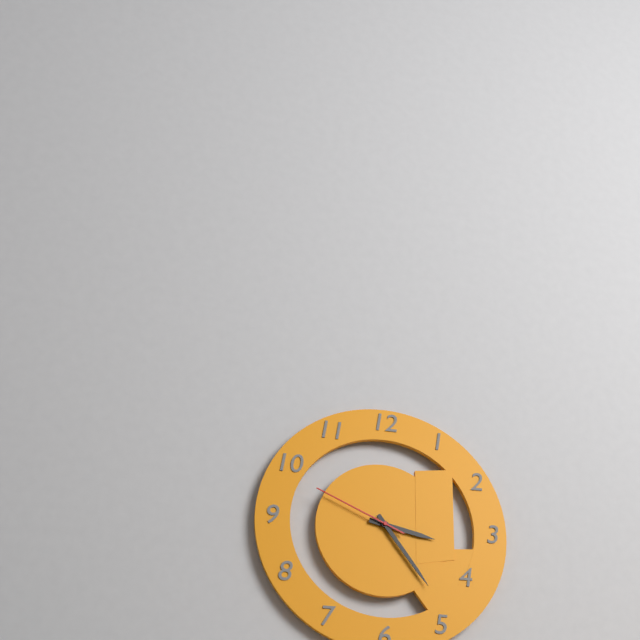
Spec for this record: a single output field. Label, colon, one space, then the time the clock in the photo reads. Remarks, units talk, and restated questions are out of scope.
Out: 3:24:49
